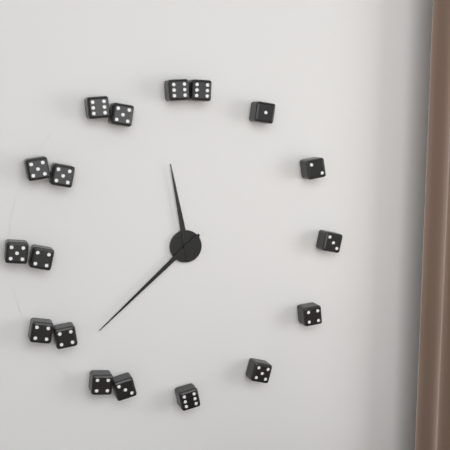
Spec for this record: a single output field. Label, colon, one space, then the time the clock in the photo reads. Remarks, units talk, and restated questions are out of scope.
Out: 11:38
